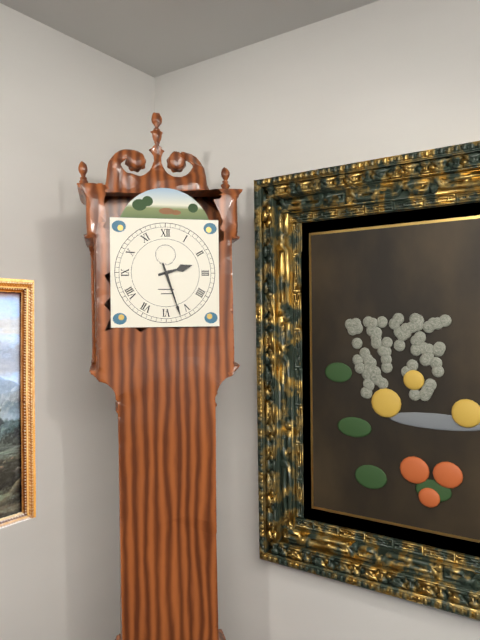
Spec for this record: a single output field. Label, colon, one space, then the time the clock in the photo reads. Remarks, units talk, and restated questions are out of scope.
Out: 2:27
